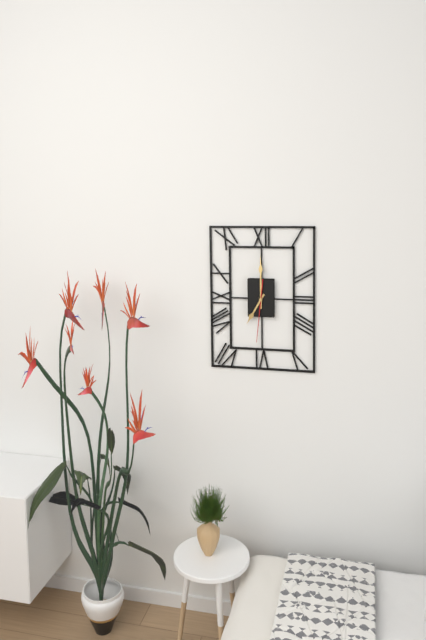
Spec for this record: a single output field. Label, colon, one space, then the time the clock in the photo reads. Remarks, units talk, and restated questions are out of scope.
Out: 7:00:31
